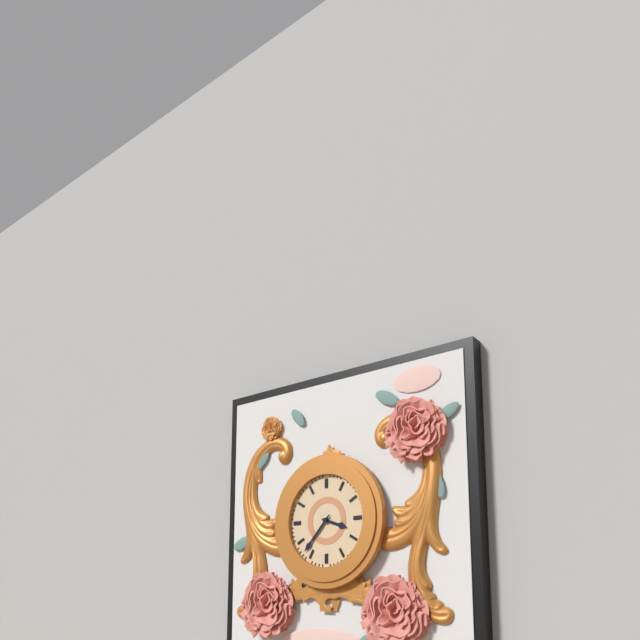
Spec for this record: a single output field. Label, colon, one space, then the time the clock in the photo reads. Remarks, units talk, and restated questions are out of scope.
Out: 3:37
